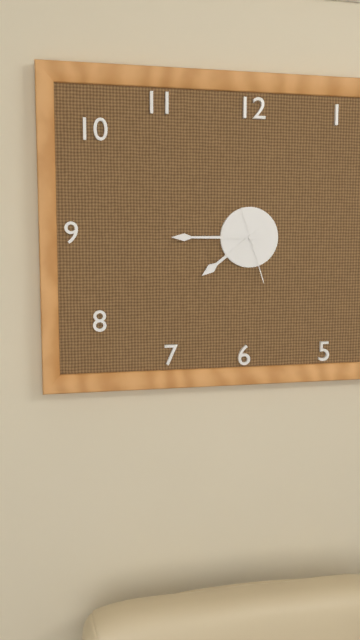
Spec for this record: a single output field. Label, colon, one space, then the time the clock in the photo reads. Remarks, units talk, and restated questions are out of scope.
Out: 7:45:27
